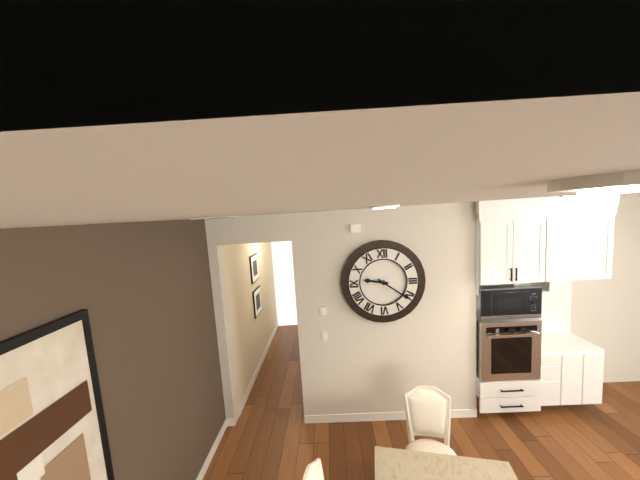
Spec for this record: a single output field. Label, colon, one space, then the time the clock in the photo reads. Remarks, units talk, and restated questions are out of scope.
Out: 9:21
